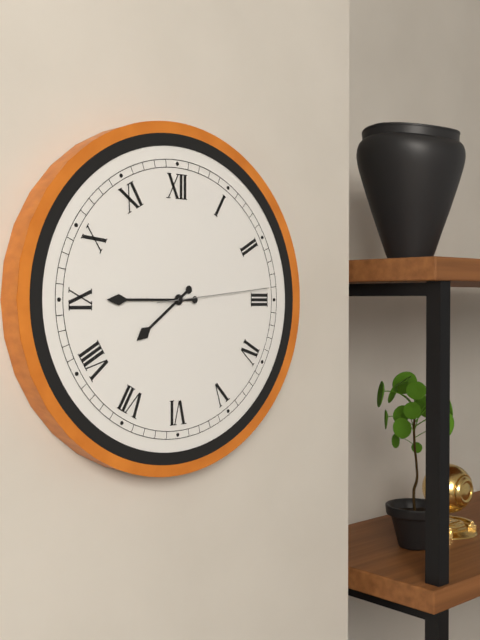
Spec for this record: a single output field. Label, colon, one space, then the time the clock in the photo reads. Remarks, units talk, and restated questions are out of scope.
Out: 7:45:14
